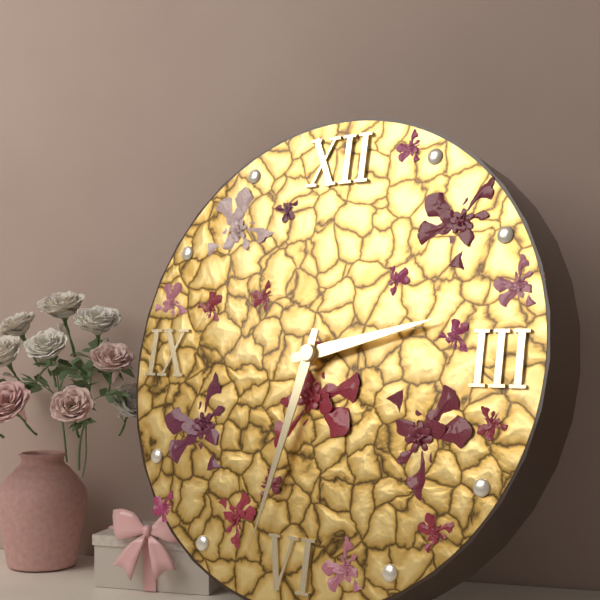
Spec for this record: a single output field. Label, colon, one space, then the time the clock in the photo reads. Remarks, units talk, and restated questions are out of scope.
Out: 2:32
